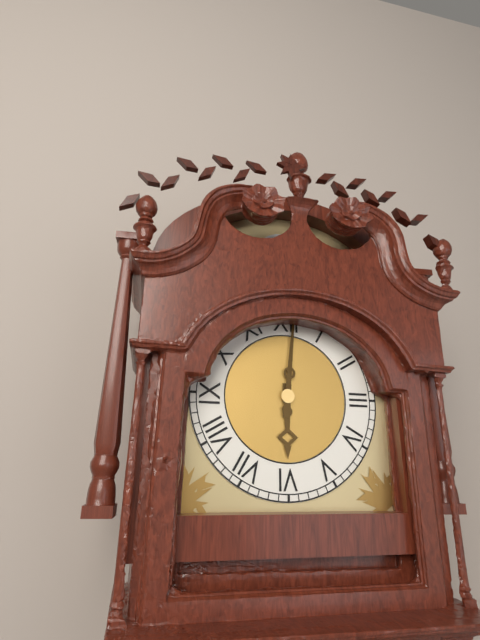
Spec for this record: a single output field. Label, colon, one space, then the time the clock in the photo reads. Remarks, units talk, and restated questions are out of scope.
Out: 6:01
